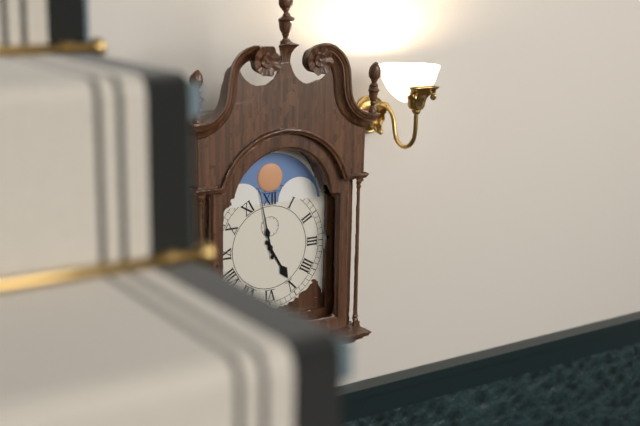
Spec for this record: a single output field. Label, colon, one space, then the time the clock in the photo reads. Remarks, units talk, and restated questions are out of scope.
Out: 4:58
